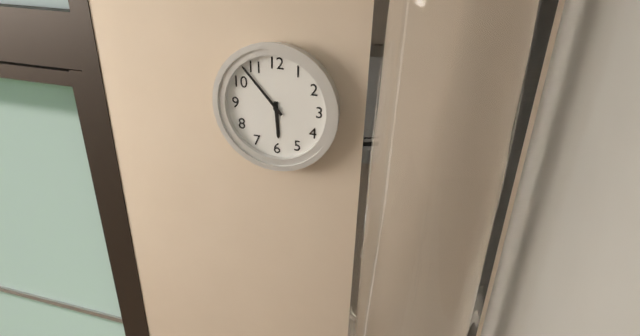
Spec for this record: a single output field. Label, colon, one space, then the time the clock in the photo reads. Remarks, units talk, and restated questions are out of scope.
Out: 5:53
